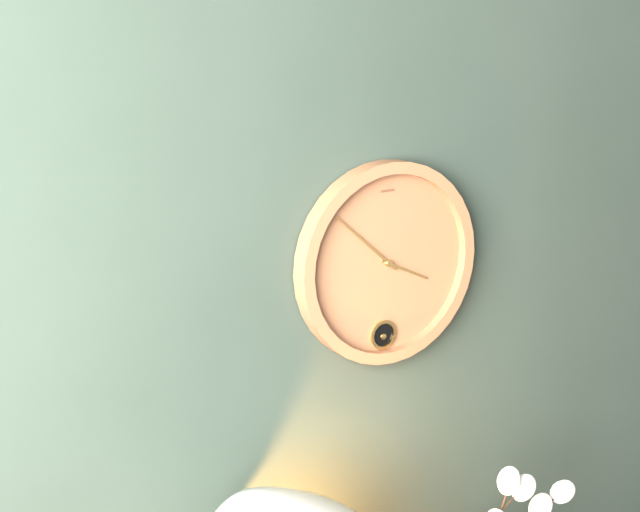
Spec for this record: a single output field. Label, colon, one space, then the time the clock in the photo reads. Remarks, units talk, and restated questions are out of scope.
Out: 3:52
